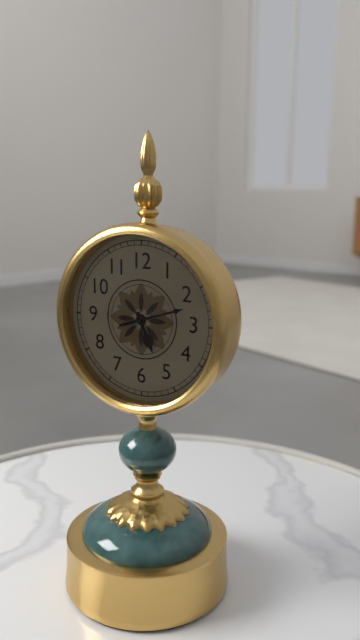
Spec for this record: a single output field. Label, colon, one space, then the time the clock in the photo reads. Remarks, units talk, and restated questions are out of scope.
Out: 5:12
